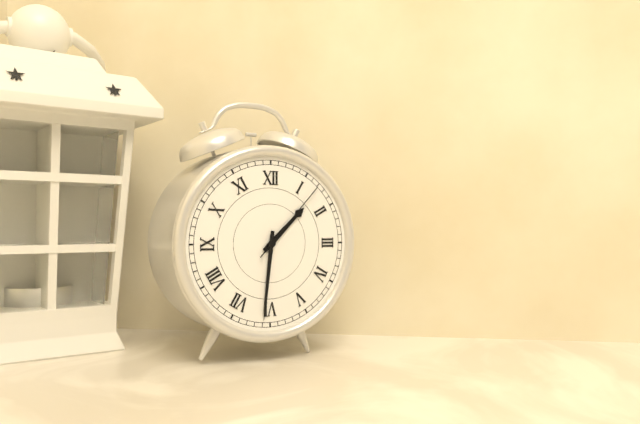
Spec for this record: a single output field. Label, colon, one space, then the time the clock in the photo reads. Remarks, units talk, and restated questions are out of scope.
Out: 1:31:07
